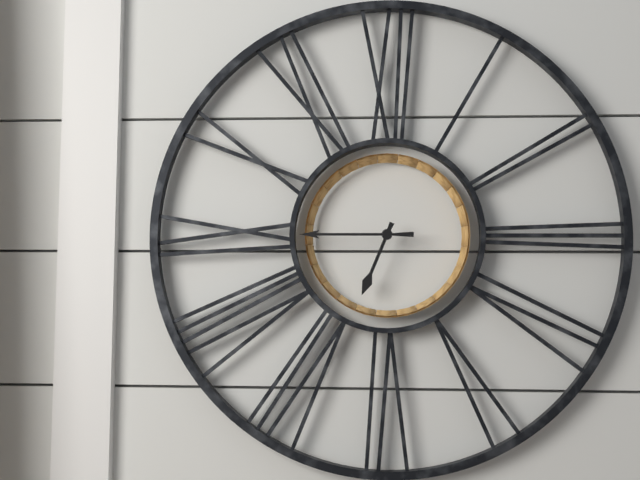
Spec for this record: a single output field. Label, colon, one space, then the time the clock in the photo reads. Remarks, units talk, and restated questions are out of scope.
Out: 6:45
